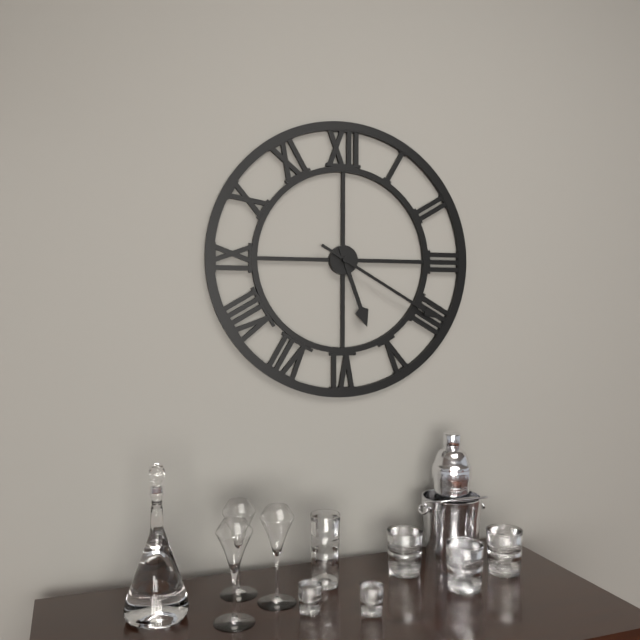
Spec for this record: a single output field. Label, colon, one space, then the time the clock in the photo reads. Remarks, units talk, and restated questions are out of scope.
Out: 5:20
